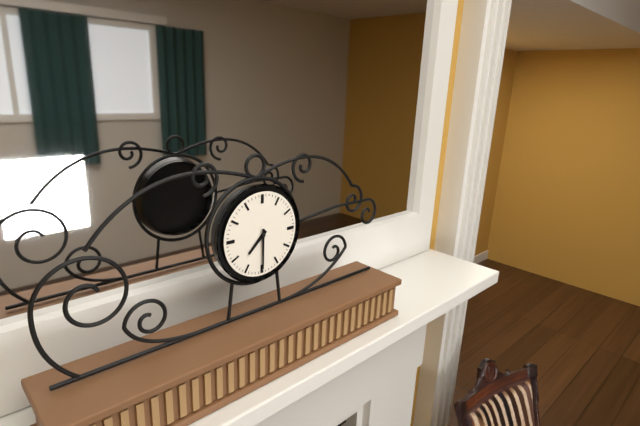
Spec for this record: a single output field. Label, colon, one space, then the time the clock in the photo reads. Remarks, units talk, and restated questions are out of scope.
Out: 7:30
